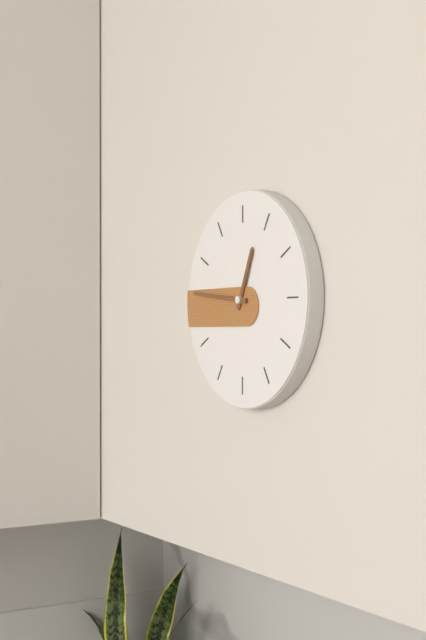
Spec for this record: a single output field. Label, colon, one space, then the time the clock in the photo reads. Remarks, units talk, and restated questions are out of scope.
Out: 12:46
